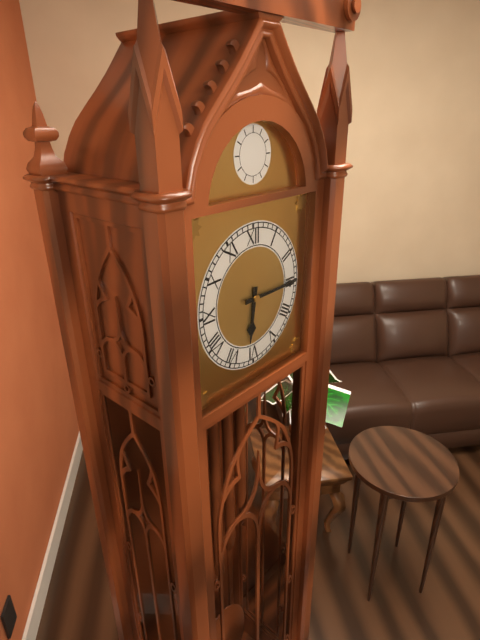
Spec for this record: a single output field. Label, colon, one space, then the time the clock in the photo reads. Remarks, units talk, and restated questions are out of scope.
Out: 6:15
